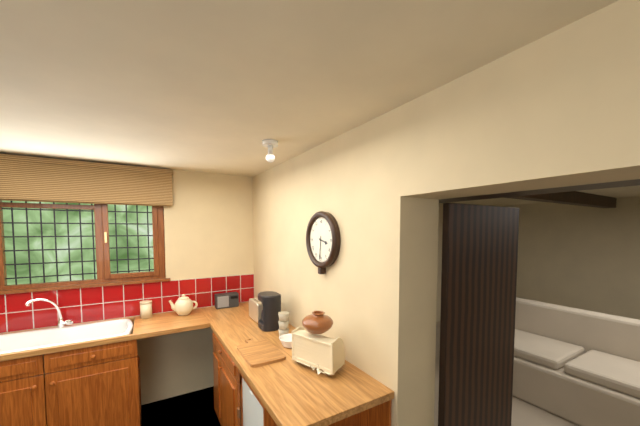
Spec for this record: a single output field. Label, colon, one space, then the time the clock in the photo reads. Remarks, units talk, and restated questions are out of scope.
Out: 3:31
